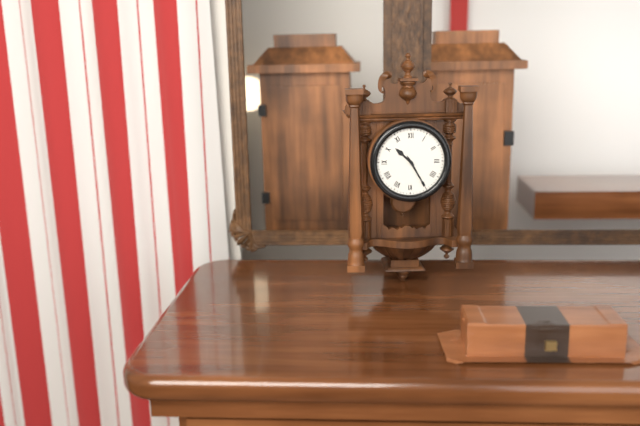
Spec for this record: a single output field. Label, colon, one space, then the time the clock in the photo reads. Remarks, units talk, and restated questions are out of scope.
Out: 10:25
